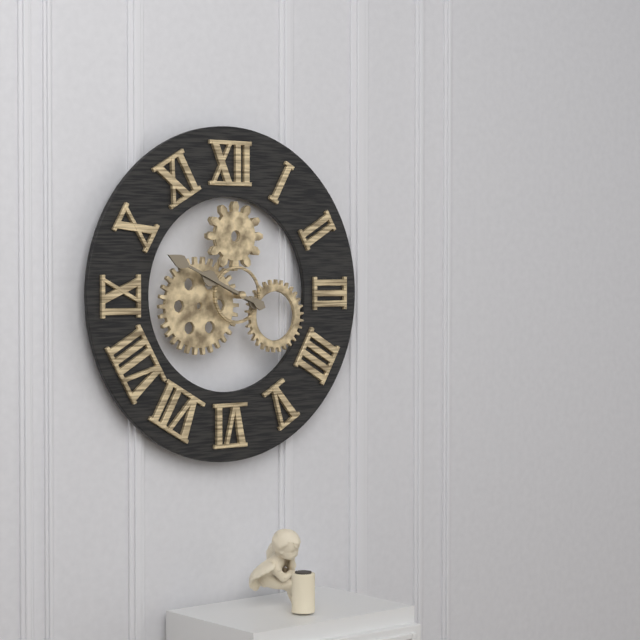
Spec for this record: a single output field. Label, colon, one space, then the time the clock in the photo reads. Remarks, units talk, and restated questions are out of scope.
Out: 9:49
